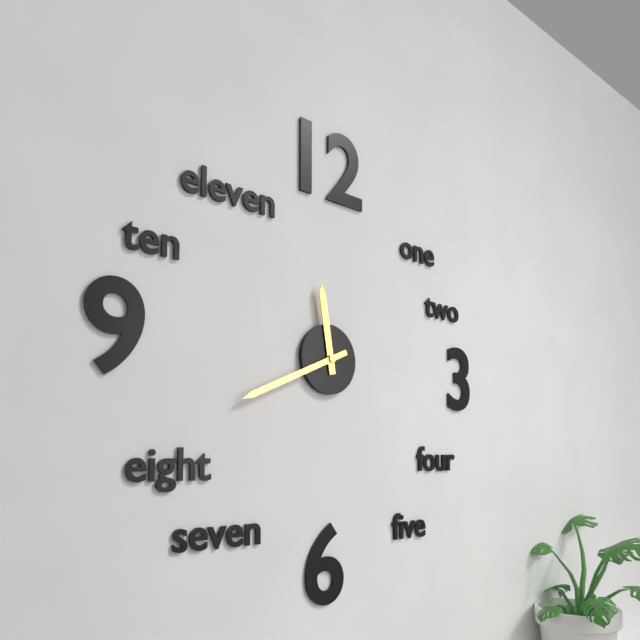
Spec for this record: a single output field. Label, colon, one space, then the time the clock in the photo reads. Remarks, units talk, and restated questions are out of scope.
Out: 11:41
